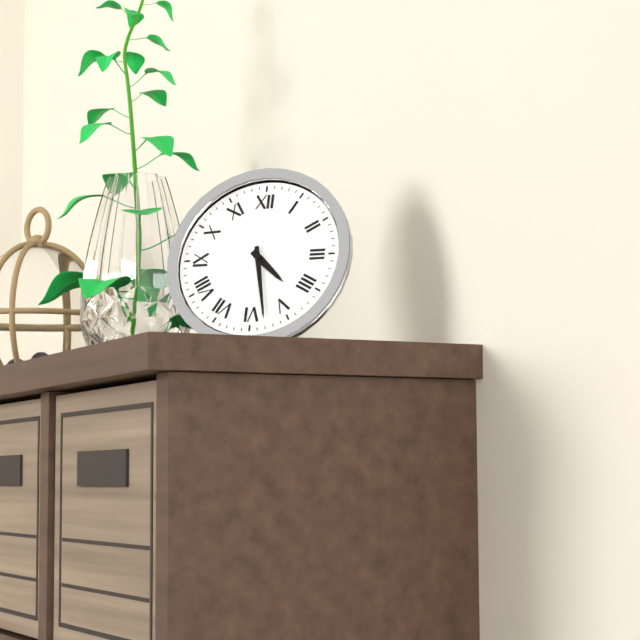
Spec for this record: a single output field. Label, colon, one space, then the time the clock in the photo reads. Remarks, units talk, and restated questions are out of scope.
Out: 4:28
